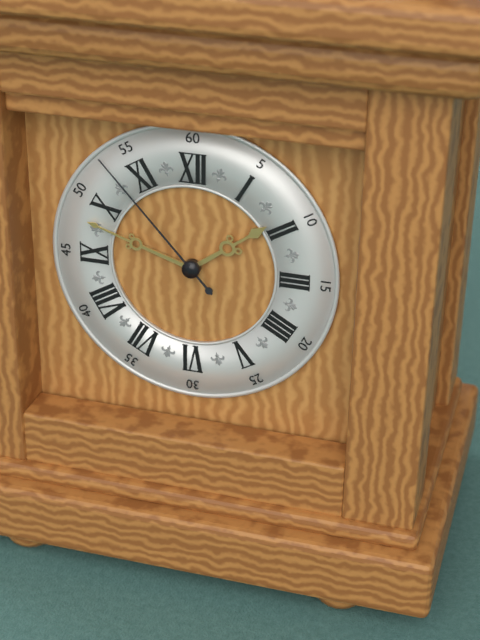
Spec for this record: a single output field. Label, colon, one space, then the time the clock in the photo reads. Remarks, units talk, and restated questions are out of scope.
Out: 1:48:53
